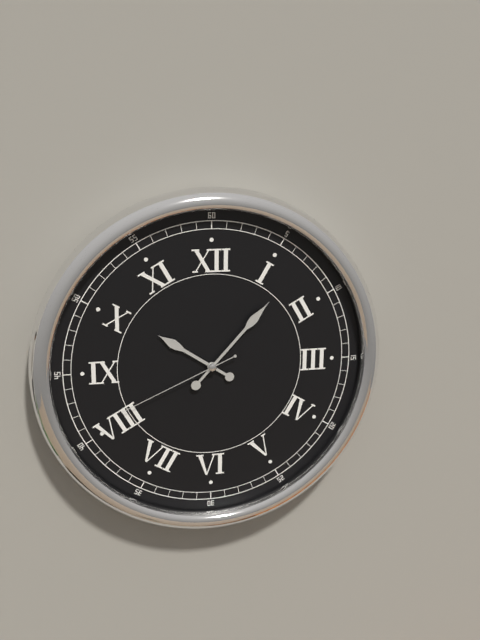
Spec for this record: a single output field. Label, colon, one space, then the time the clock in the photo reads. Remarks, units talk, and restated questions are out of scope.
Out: 10:07:41
